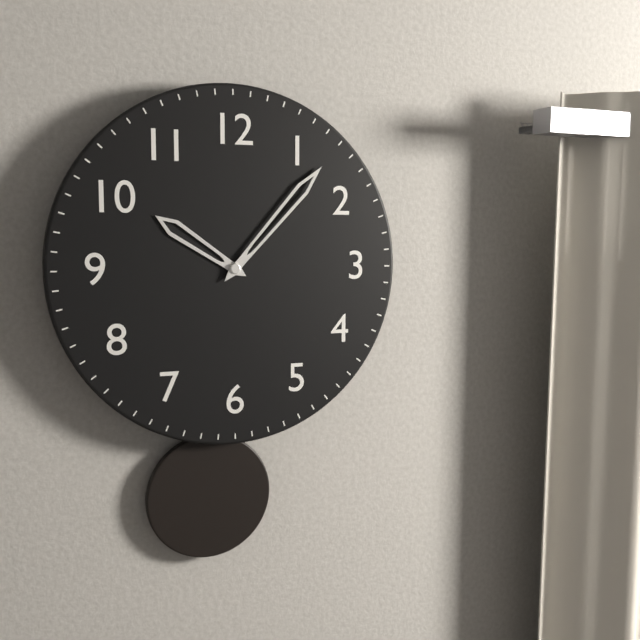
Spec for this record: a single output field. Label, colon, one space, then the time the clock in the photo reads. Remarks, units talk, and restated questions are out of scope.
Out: 10:07
